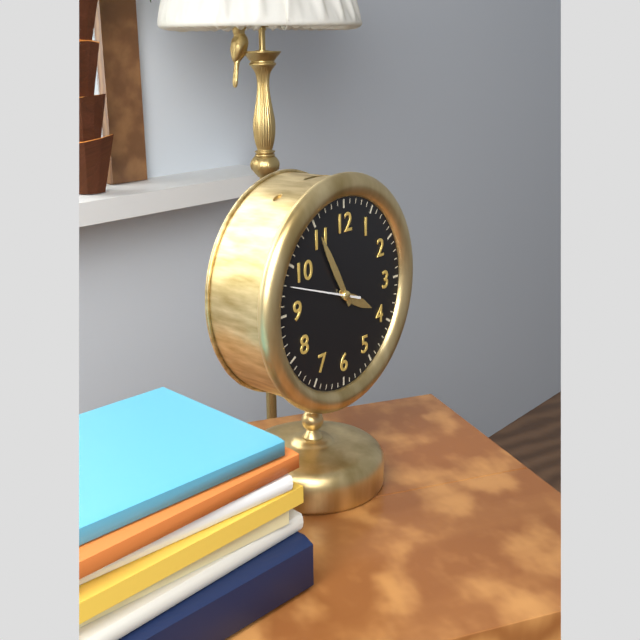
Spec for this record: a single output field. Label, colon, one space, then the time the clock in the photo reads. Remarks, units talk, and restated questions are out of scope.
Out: 3:55:48
